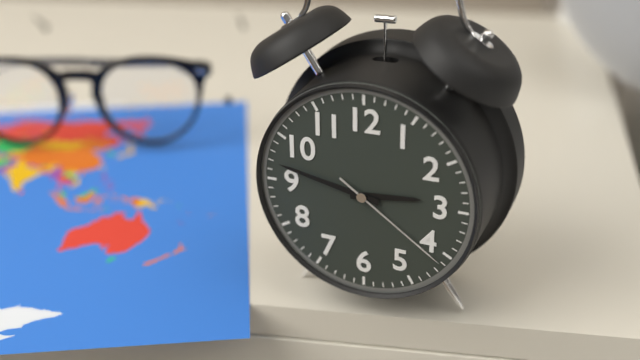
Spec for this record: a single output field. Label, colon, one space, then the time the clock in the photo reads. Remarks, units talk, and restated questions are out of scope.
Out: 2:47:21
